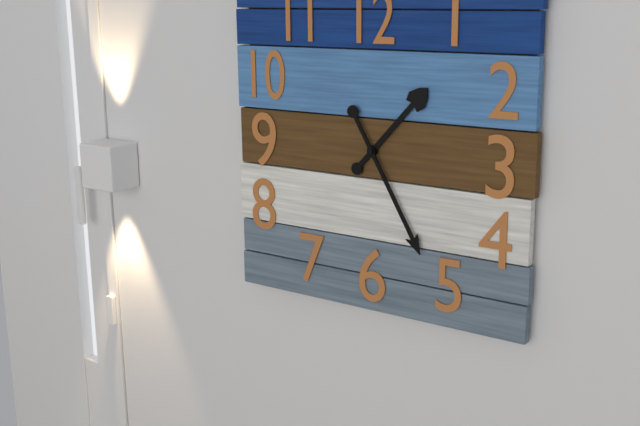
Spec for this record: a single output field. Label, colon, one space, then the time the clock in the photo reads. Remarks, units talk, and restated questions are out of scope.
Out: 1:25
